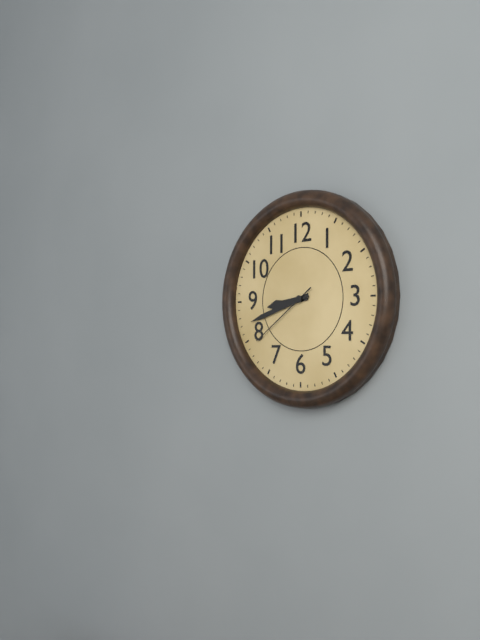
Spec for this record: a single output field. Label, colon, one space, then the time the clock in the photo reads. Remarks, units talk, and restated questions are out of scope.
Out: 8:42:39
